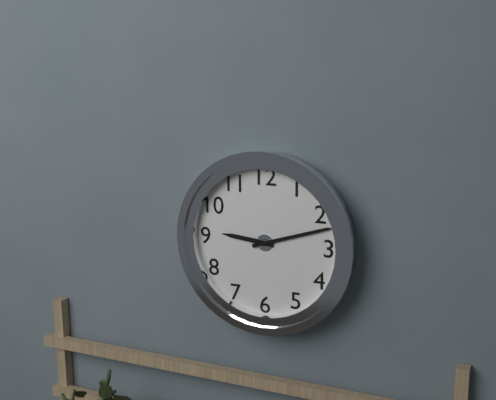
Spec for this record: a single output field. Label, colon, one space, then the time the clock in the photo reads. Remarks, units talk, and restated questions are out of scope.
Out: 9:12
